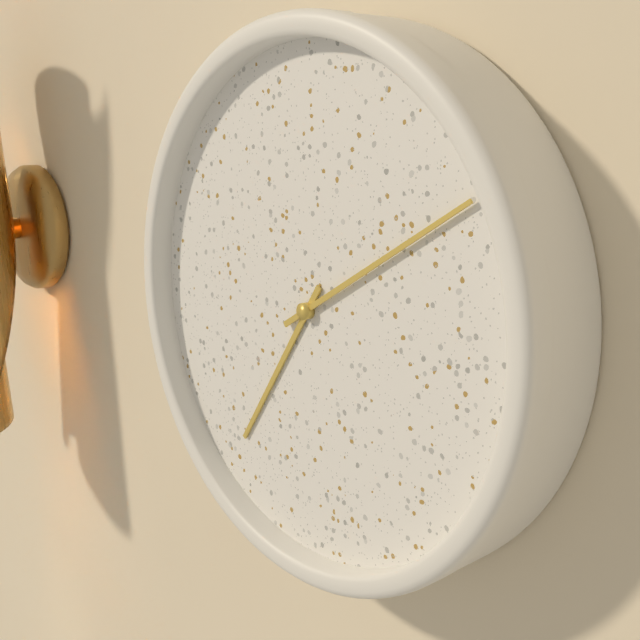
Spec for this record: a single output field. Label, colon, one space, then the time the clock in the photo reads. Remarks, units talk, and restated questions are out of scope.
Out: 7:10
